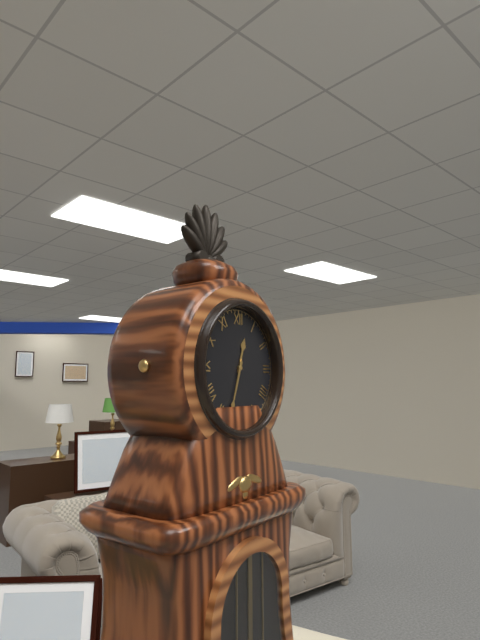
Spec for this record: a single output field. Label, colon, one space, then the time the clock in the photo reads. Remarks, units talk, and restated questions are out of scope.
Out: 12:33
